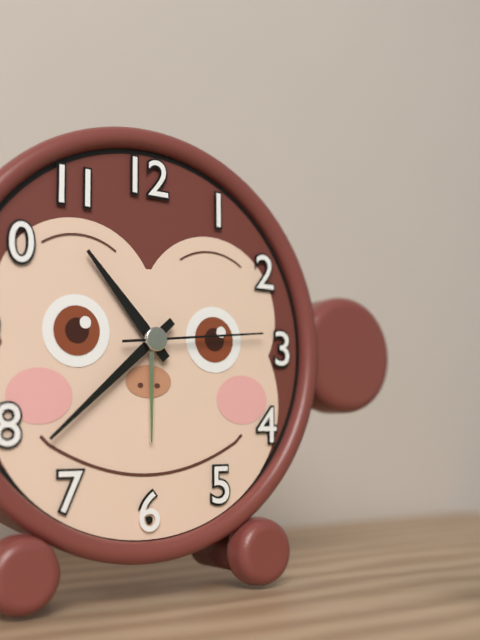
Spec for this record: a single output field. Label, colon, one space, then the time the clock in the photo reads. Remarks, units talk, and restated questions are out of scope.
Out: 10:38:14
